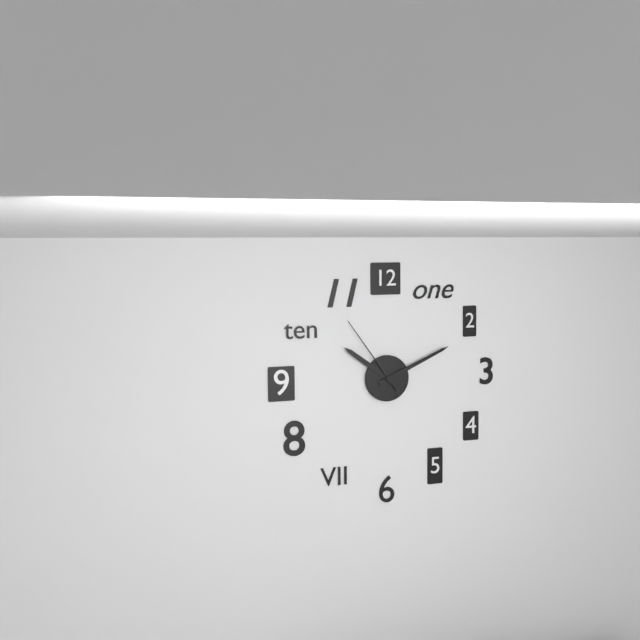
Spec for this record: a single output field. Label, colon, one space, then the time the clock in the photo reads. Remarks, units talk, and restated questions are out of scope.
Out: 10:11:54
